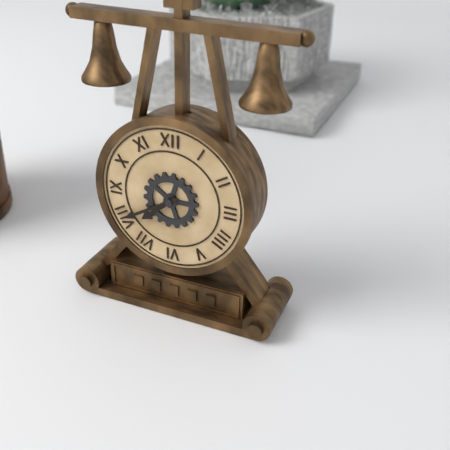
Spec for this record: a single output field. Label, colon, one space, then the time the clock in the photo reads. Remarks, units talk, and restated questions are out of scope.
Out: 7:40
